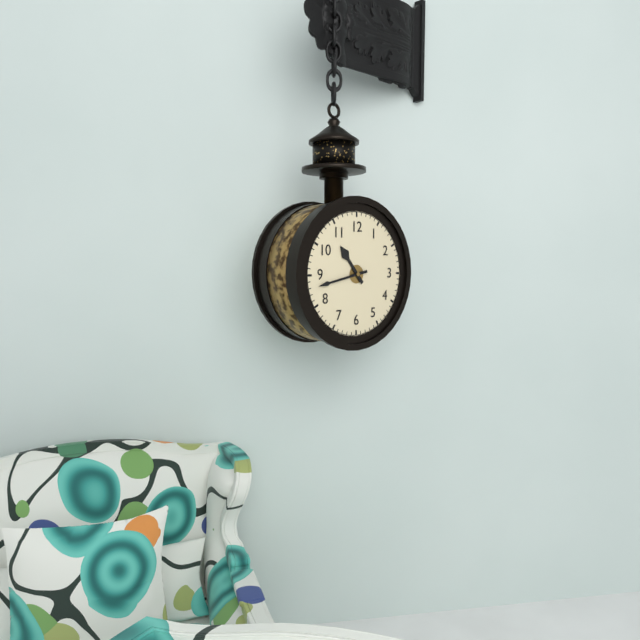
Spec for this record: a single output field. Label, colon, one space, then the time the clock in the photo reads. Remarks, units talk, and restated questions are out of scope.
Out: 10:43
